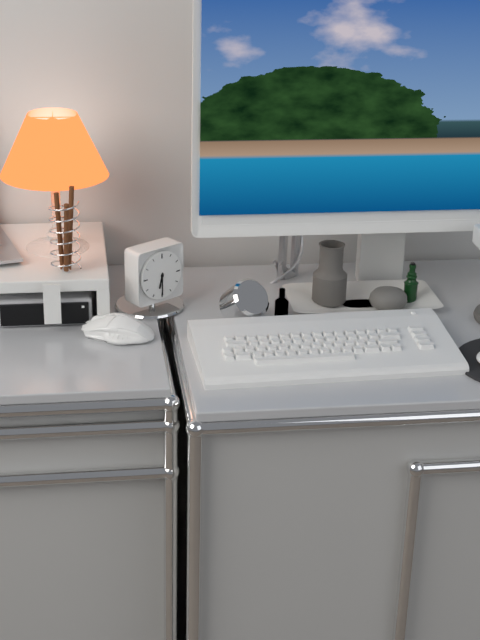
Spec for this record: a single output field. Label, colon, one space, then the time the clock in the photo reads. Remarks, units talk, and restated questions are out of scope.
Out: 6:30
